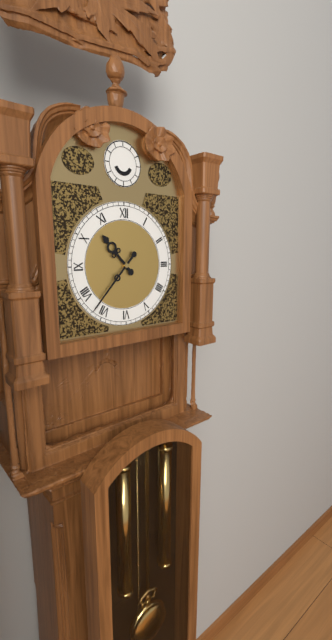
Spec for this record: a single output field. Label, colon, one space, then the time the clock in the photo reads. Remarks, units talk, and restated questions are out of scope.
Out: 10:37
